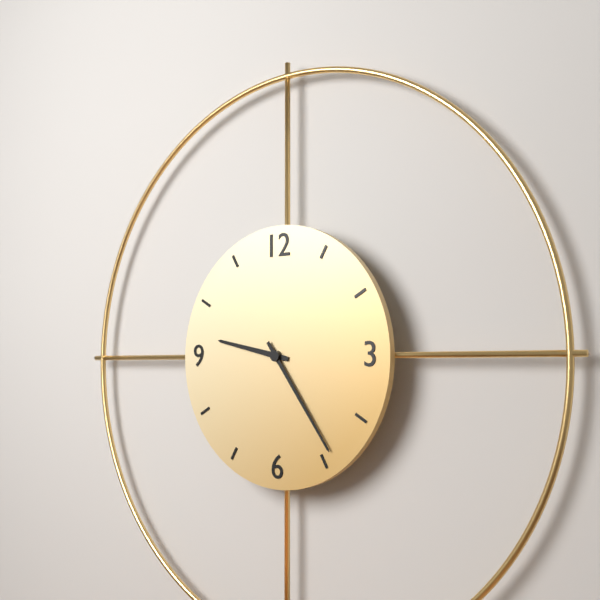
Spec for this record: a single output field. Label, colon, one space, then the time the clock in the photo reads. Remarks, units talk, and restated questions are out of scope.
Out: 9:24
